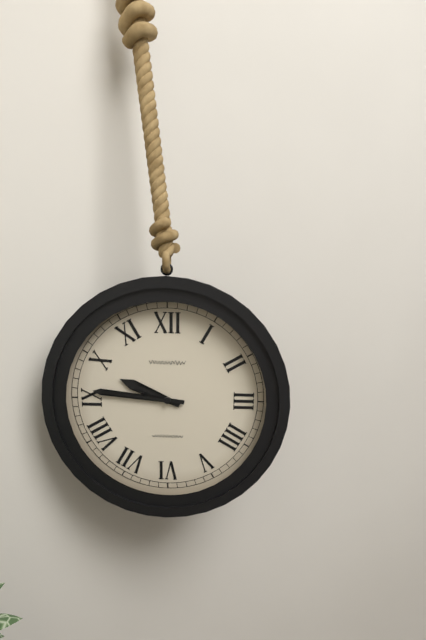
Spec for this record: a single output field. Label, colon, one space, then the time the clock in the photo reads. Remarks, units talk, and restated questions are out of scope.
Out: 9:46
